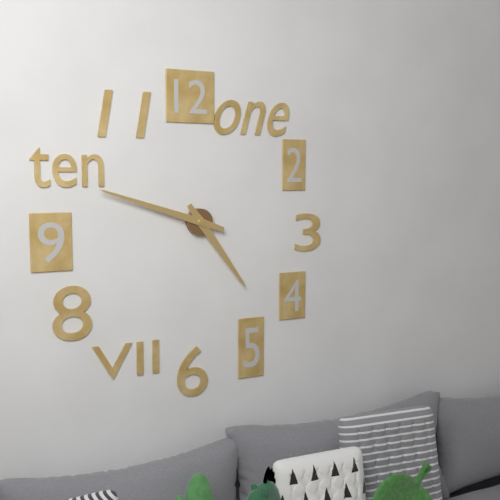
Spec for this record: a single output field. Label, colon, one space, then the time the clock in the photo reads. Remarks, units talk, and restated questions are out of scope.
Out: 4:48
